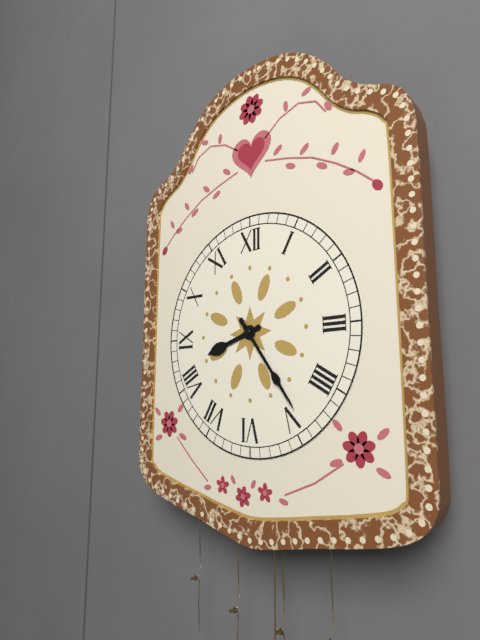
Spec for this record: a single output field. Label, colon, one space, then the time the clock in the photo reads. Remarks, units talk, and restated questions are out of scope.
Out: 8:24
